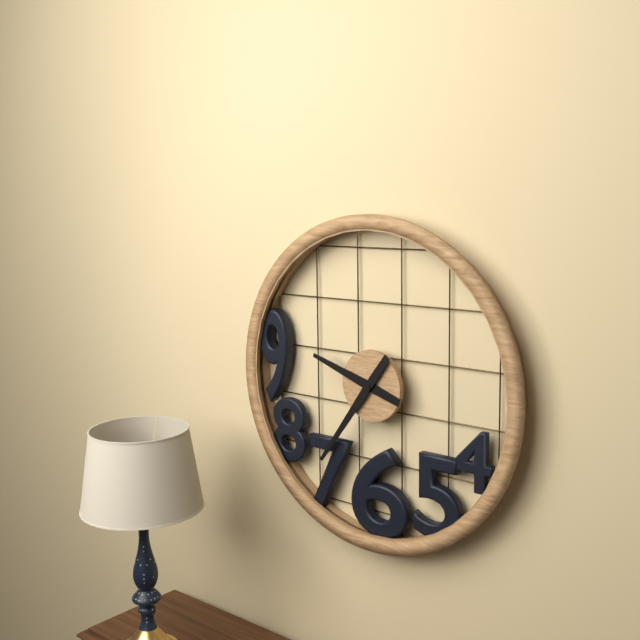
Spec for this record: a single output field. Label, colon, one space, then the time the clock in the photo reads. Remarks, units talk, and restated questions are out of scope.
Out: 9:36
